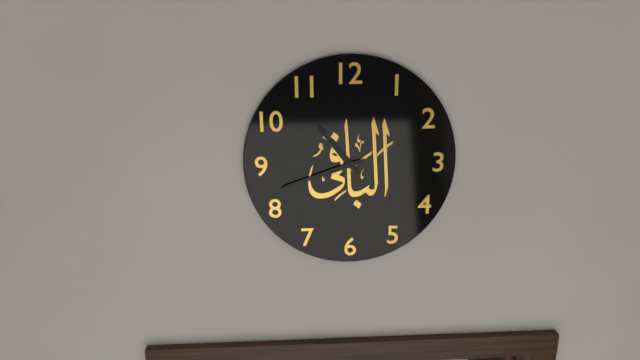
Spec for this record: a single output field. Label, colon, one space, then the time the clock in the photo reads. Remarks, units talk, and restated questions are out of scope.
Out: 10:42
